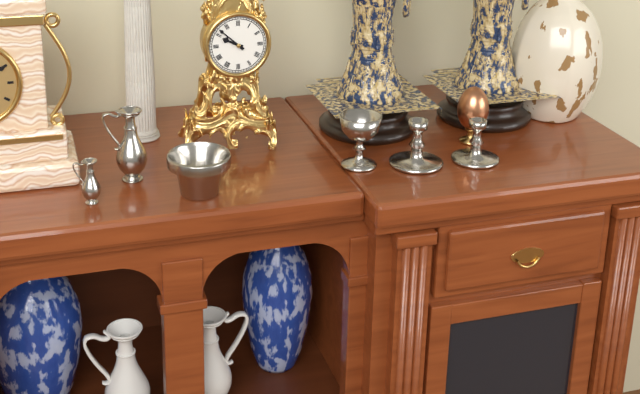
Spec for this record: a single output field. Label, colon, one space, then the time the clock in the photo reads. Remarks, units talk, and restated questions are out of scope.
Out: 9:52
